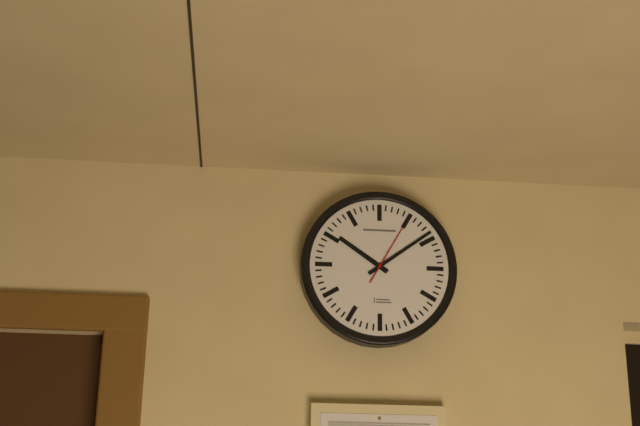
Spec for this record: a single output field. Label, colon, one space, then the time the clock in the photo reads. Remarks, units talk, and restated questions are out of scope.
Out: 10:09:05
